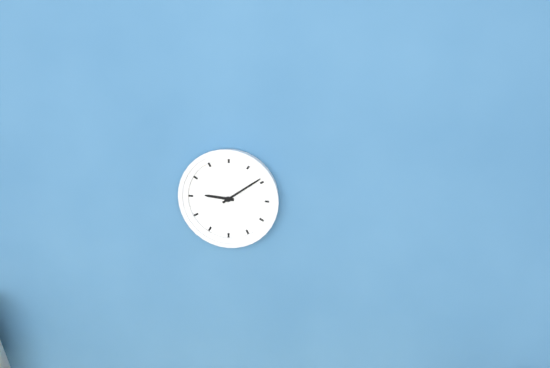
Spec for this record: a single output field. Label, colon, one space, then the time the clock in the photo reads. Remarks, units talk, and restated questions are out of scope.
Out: 9:09
